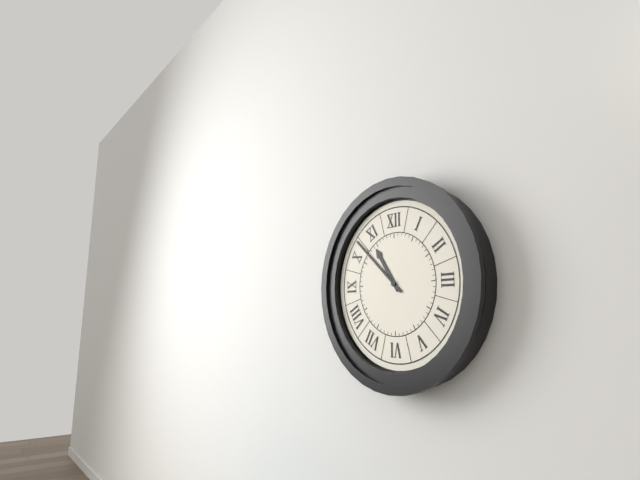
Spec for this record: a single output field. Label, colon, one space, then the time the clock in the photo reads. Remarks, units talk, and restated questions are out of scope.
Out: 10:52
